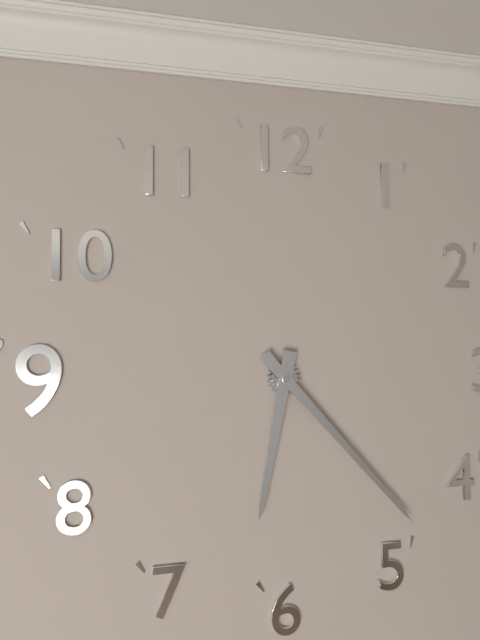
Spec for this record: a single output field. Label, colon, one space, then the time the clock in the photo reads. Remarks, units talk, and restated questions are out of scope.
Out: 6:23
